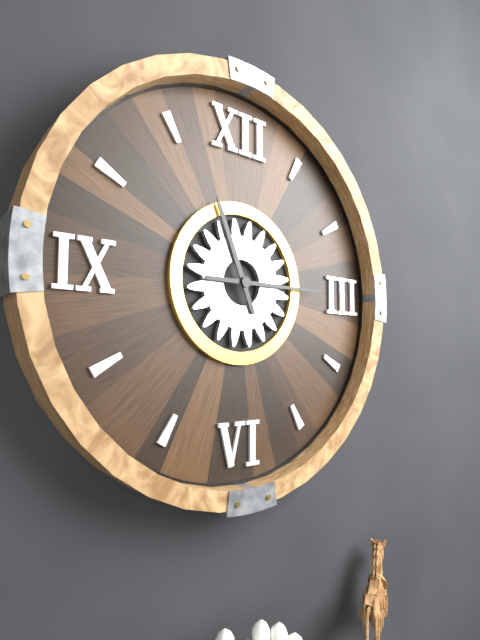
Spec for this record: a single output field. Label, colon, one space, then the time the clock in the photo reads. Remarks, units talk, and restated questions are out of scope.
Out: 11:15
